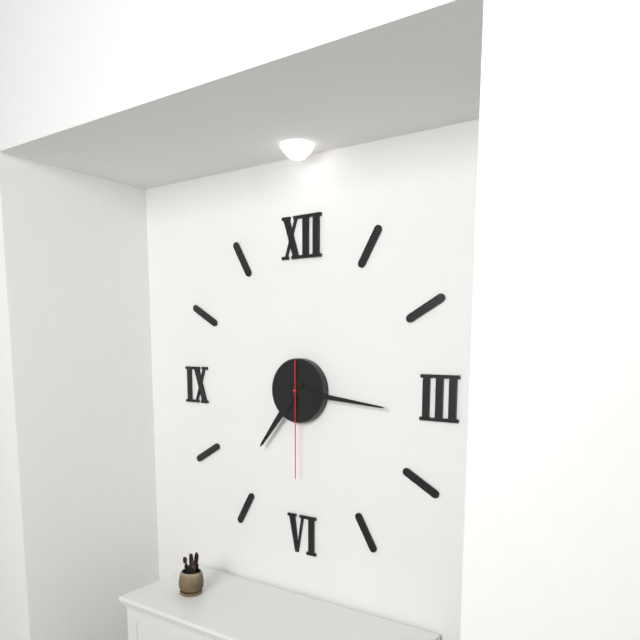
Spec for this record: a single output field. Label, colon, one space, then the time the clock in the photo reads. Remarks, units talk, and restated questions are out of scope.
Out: 7:16:30
